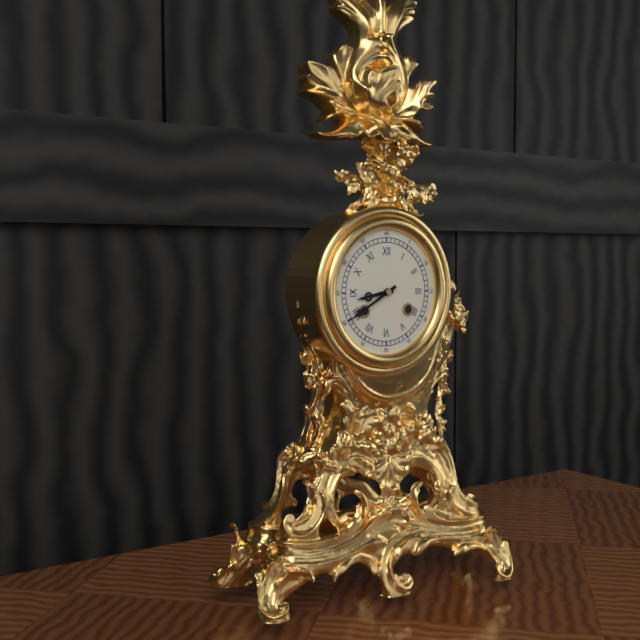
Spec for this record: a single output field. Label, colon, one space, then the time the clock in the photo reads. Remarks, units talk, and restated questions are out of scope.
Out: 8:40
